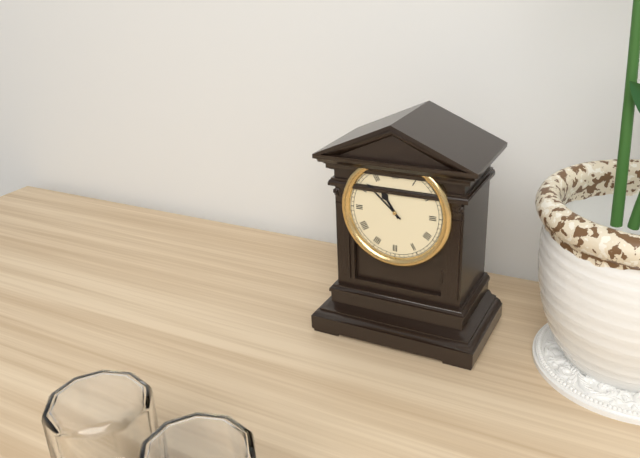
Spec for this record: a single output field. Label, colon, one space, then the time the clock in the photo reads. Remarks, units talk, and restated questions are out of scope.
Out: 10:52
